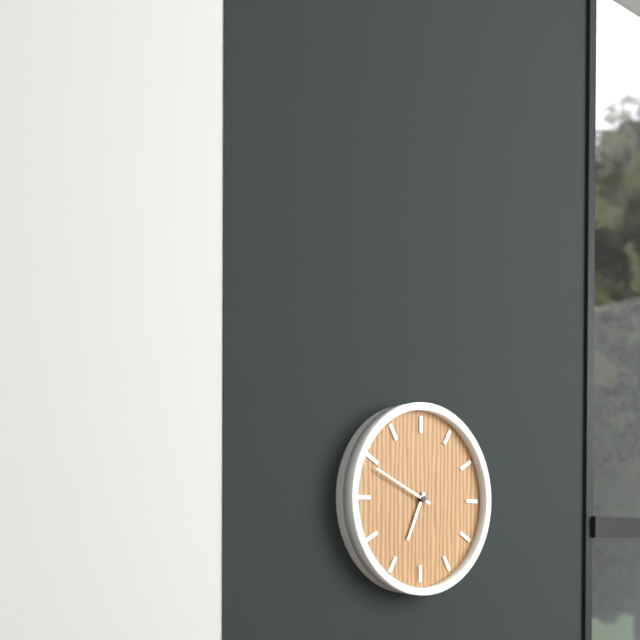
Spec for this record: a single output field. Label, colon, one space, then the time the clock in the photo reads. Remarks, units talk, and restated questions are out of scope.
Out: 6:49
